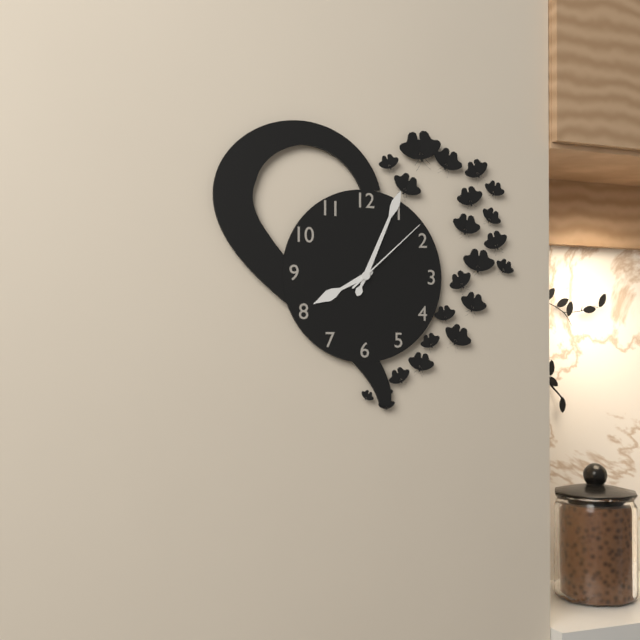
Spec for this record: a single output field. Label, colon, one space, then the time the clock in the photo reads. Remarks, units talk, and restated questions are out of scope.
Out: 8:04:08
